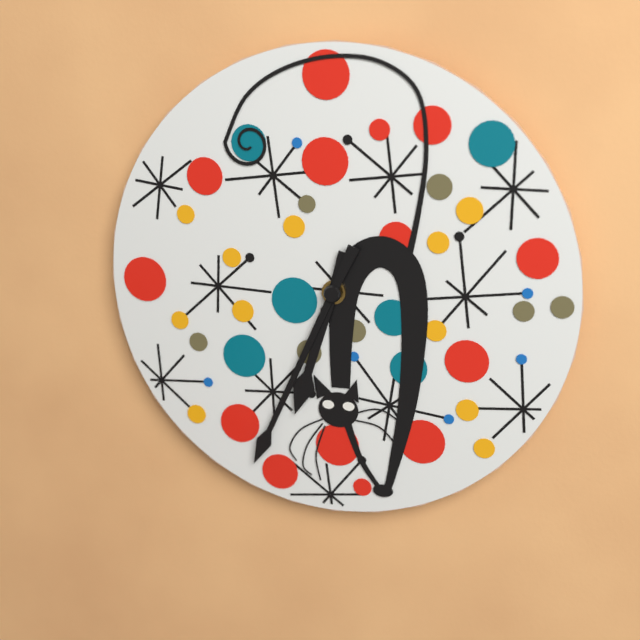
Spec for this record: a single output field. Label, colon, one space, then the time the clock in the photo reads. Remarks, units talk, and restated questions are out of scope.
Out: 6:34
